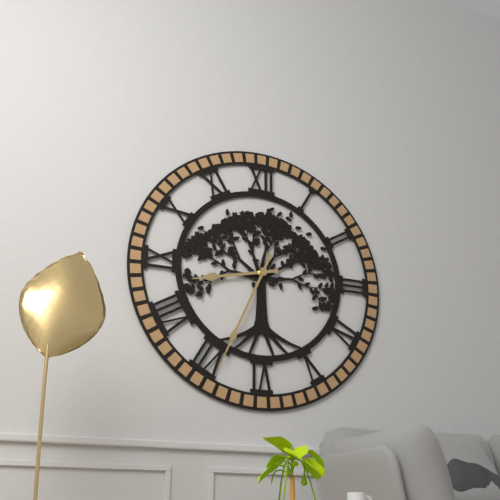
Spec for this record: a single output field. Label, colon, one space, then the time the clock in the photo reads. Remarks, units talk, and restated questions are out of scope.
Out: 8:34
